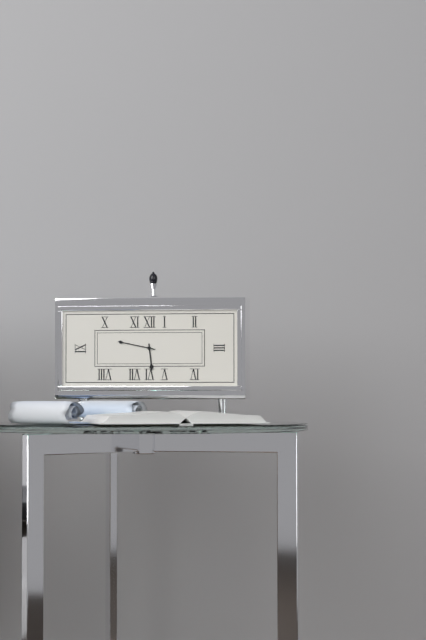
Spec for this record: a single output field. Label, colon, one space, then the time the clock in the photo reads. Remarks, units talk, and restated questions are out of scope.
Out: 5:47
